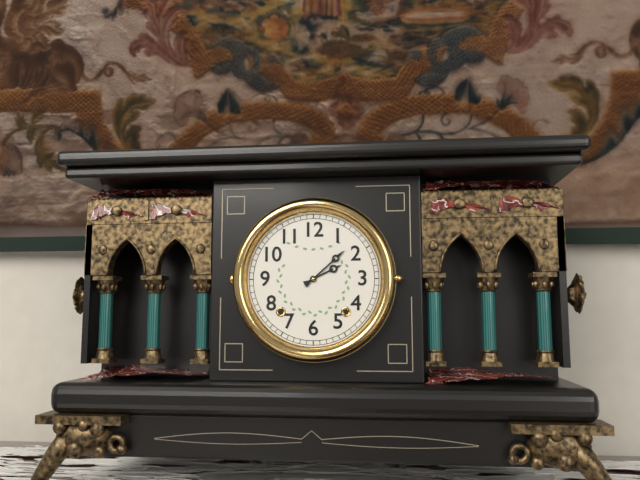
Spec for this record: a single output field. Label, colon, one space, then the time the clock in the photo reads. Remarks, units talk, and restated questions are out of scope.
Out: 2:08
